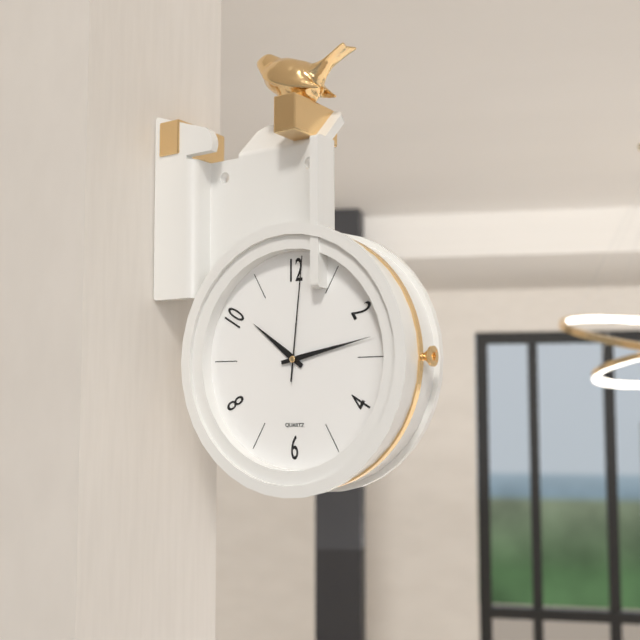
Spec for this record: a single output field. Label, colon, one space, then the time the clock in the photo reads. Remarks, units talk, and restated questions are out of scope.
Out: 10:13:01
